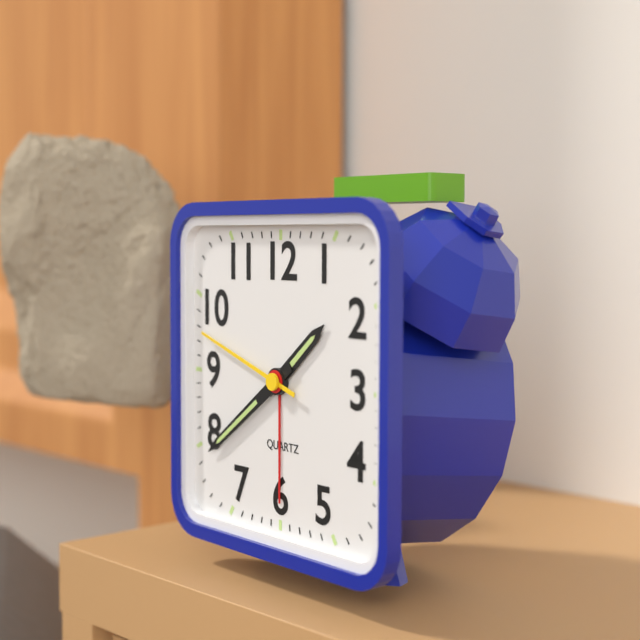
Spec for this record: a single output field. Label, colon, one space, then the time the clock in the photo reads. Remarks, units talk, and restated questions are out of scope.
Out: 1:39:48
